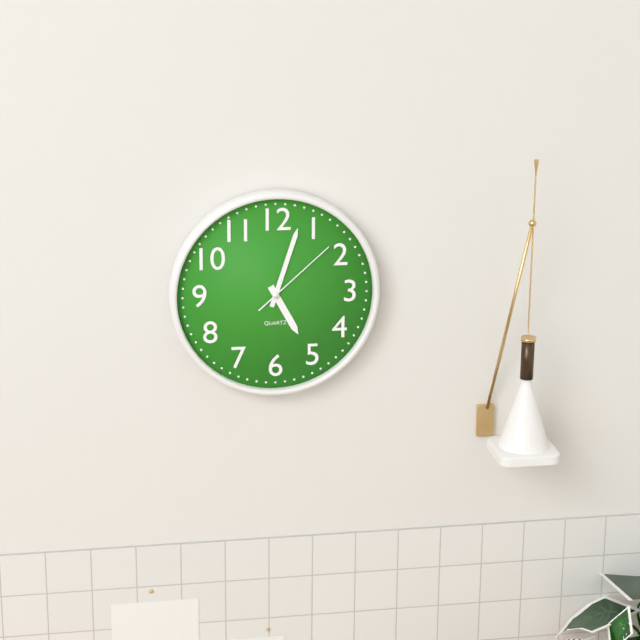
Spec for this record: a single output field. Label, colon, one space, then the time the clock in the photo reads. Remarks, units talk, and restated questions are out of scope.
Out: 5:03:08
